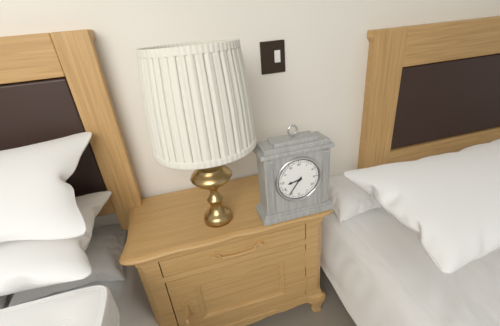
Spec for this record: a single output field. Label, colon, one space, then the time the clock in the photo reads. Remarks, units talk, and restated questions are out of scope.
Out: 8:36
